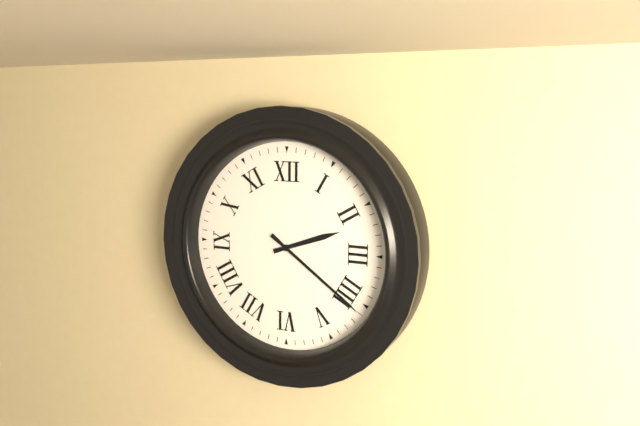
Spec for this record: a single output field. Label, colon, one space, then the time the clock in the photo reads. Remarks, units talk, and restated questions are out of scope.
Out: 2:21
